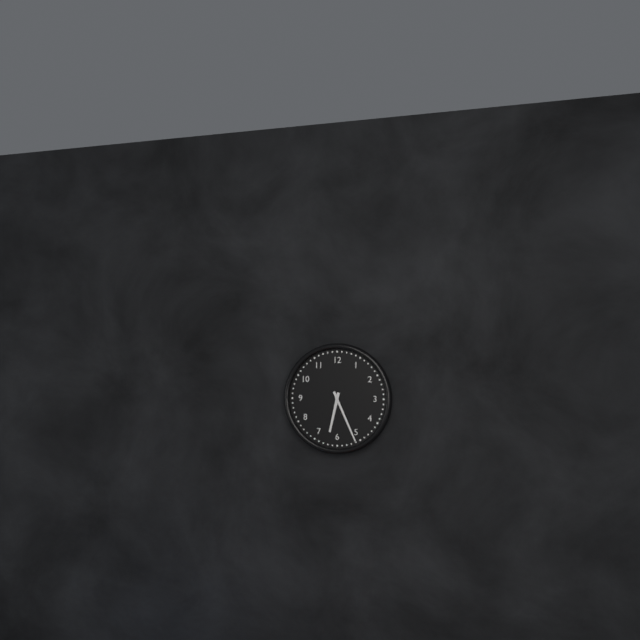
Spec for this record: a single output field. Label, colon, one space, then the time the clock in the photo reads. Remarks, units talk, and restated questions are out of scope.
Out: 6:26
